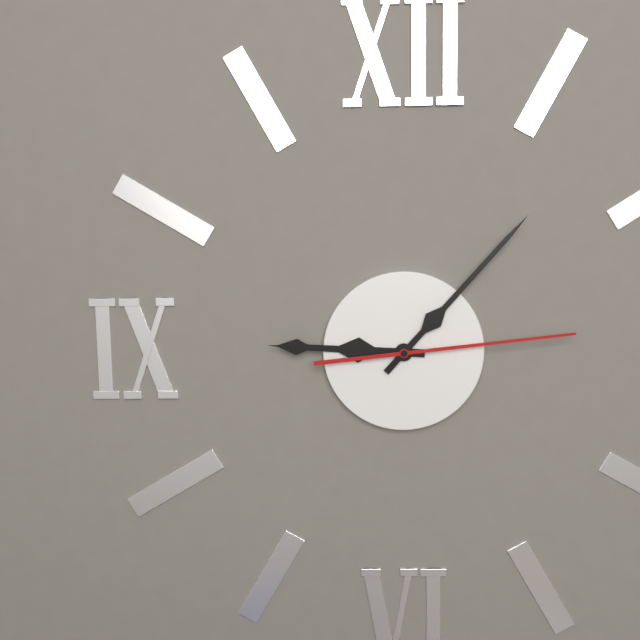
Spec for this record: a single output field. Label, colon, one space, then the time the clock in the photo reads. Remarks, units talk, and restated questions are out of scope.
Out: 9:07:14
